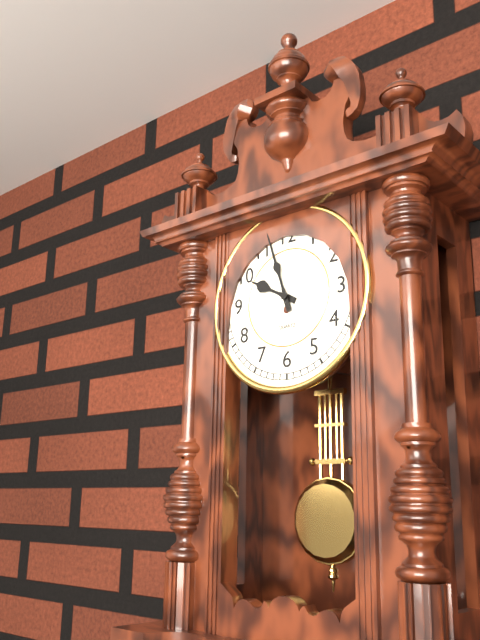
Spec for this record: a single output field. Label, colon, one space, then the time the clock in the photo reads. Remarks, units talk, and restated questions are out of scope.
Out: 9:57
